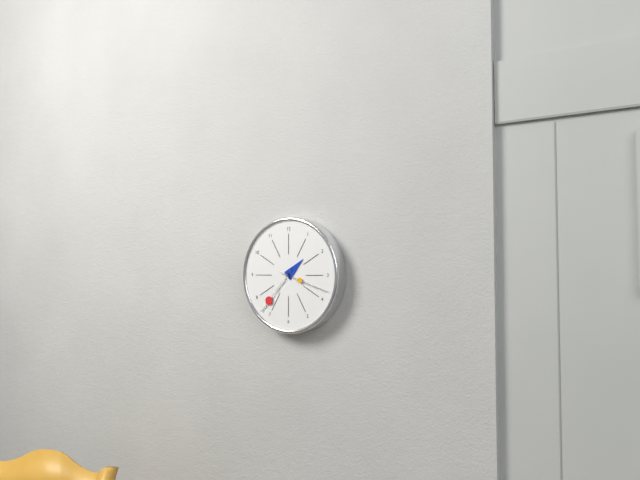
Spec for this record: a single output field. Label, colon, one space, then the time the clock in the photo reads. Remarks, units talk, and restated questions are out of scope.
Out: 1:37:18
